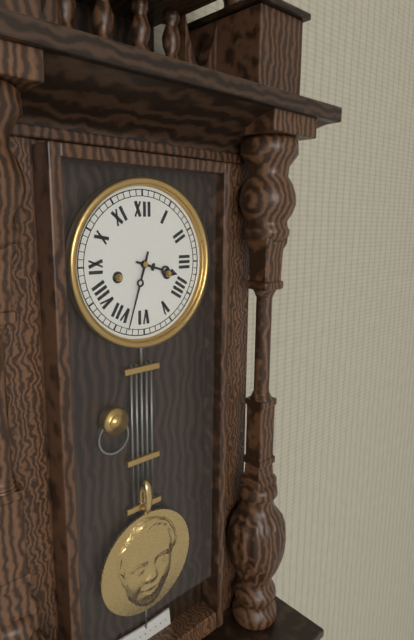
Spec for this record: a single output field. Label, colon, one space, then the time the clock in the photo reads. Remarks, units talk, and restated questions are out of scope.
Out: 3:33
